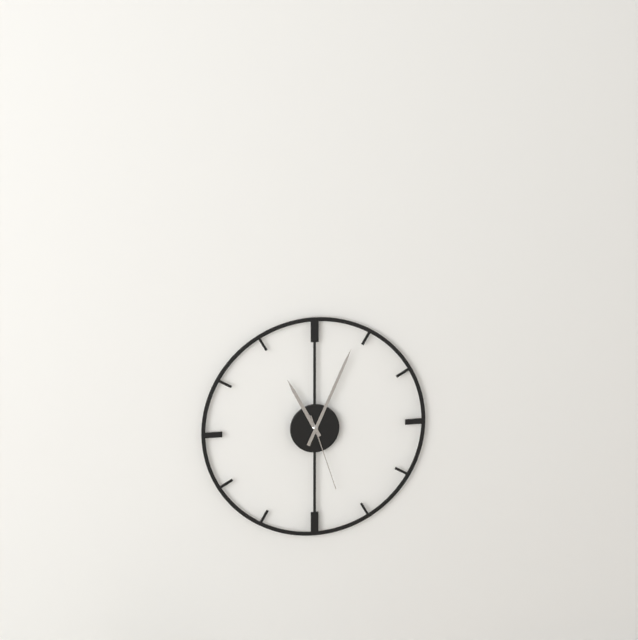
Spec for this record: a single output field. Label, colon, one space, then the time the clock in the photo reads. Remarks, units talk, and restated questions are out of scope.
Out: 11:04:27
